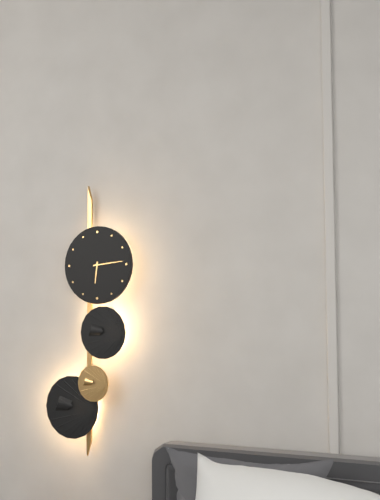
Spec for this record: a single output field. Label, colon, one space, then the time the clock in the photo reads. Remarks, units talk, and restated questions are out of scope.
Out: 6:14
